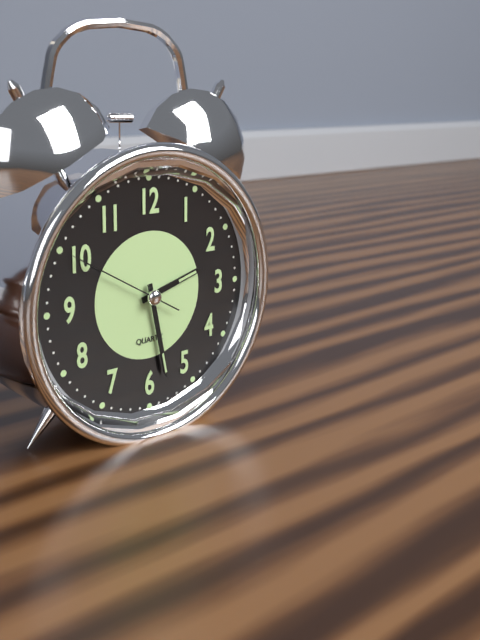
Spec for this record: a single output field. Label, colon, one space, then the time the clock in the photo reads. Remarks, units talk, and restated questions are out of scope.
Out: 2:28:50
